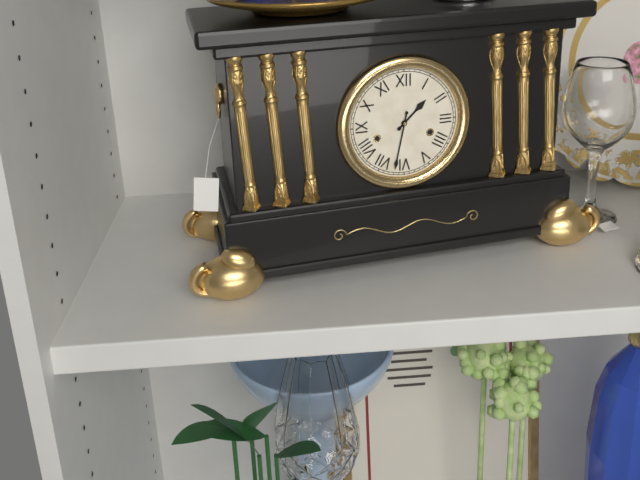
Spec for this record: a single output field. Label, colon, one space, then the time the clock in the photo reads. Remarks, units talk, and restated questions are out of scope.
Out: 1:32
